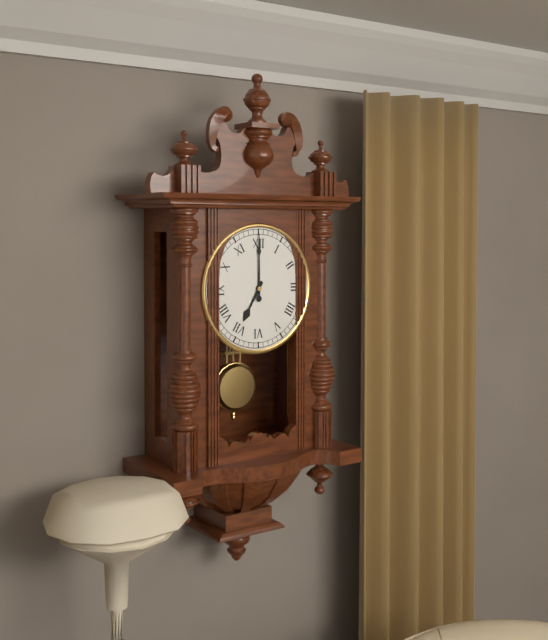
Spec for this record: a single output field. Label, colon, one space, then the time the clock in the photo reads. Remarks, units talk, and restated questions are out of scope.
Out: 7:00
